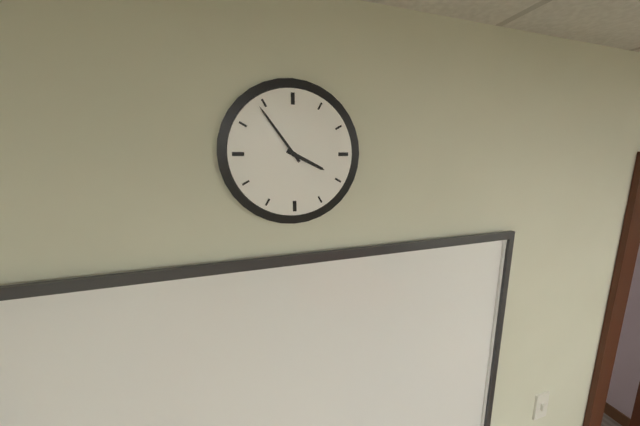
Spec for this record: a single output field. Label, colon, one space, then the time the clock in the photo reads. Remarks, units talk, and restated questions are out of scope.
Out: 3:54
